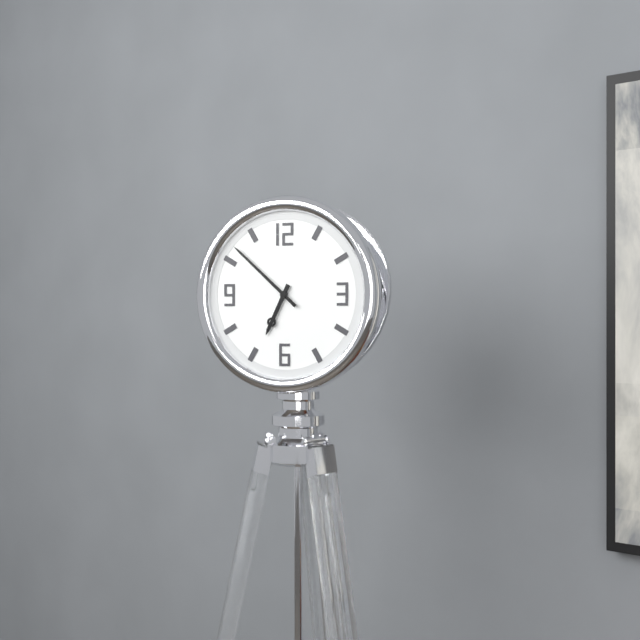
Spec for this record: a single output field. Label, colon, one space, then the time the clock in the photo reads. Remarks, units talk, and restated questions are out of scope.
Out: 6:52
